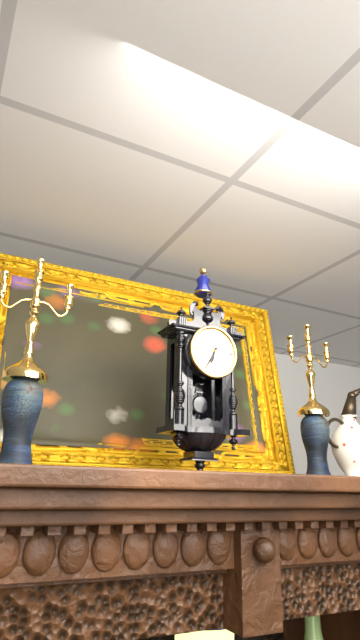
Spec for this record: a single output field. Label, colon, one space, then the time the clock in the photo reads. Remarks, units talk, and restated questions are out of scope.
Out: 6:35
